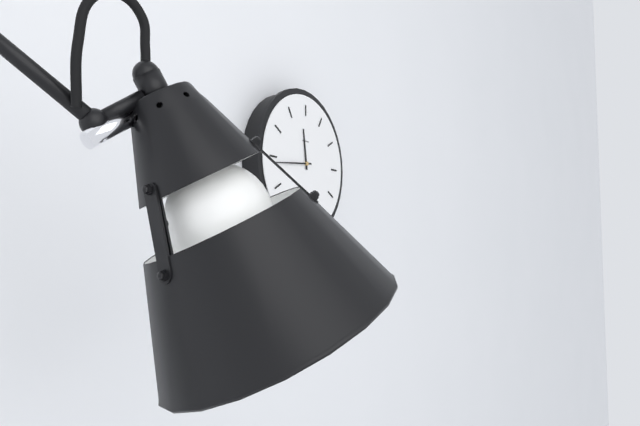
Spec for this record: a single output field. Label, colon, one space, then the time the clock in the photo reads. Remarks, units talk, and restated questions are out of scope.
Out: 11:44
